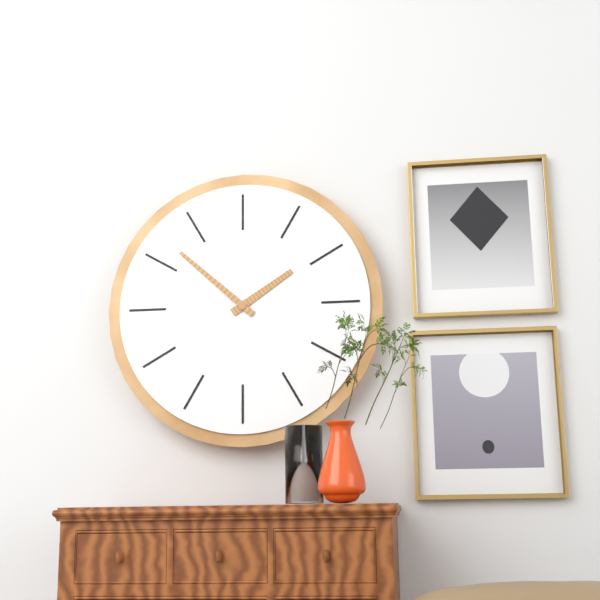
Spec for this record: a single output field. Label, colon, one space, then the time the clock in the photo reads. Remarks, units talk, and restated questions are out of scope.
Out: 1:52
